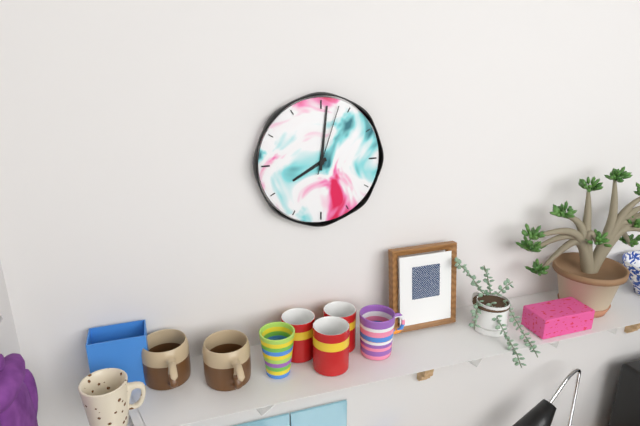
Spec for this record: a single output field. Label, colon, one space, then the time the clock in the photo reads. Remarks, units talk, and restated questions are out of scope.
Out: 8:01:03
